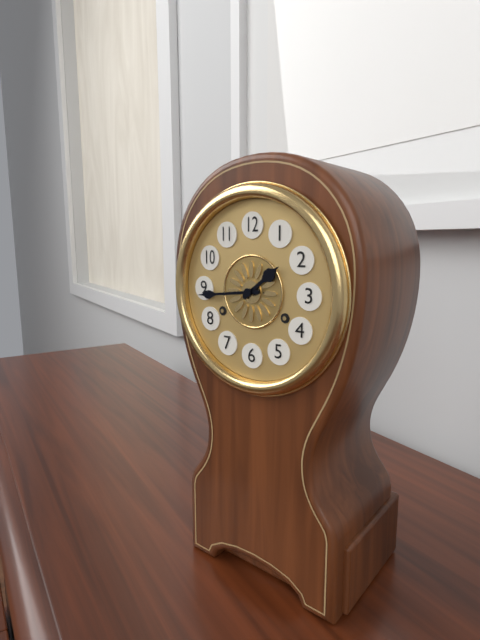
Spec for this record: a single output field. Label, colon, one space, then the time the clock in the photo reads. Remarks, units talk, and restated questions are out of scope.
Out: 1:44
